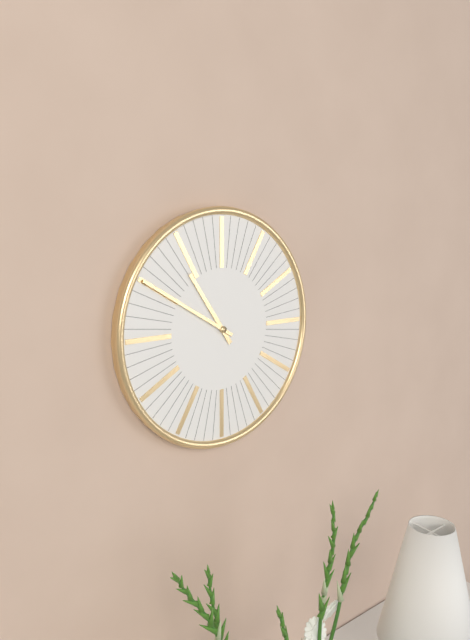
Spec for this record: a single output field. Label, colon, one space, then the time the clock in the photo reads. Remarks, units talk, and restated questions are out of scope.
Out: 10:50
